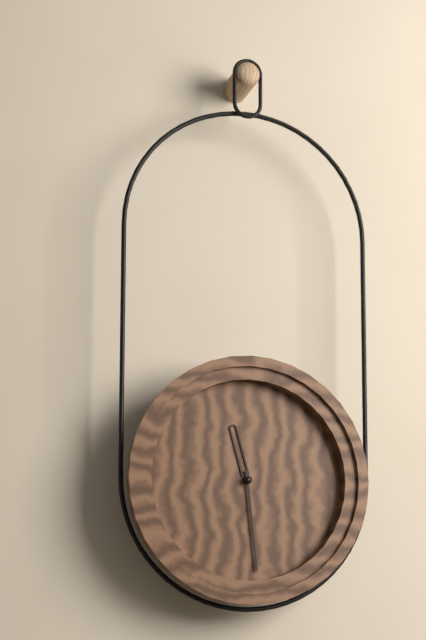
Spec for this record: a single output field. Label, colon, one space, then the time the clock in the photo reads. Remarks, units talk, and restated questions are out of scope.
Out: 11:29
